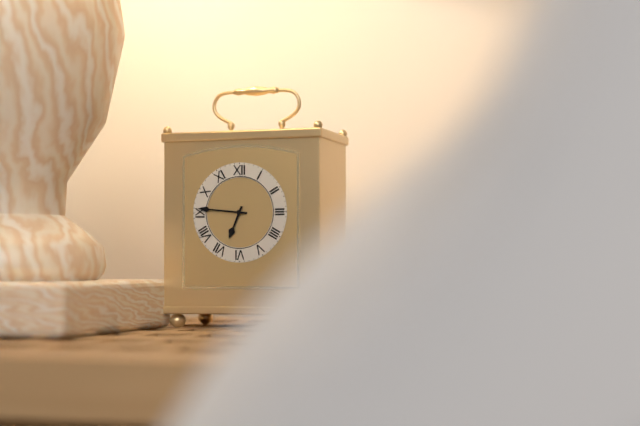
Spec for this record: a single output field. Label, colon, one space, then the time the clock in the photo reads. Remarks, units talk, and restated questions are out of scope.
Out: 6:46
